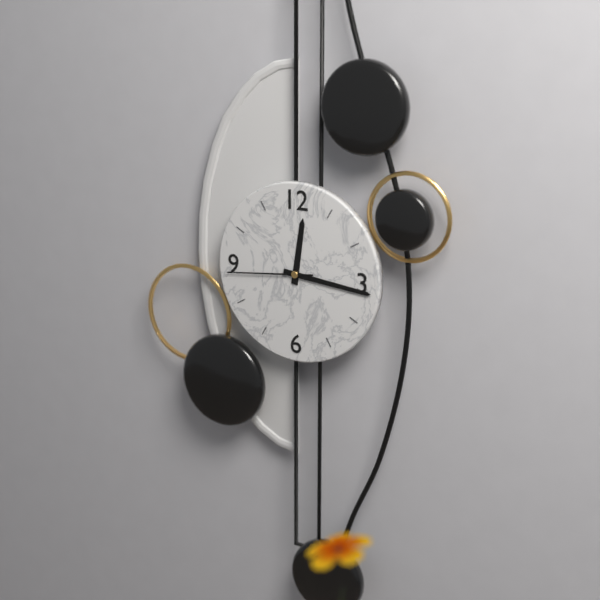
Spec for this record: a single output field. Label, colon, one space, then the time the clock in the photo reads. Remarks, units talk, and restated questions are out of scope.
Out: 12:16:44
